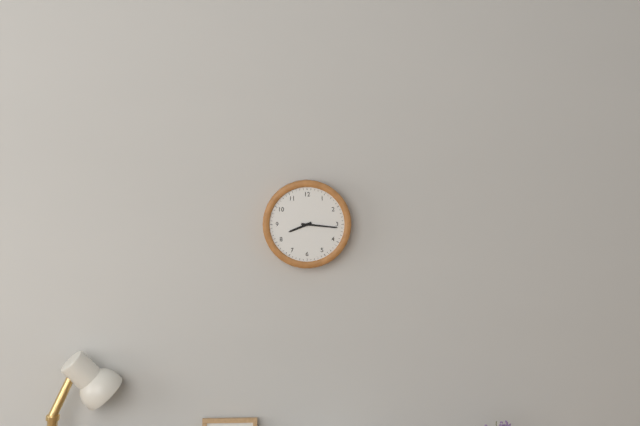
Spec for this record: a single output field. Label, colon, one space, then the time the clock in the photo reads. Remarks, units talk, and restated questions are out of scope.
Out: 8:16
